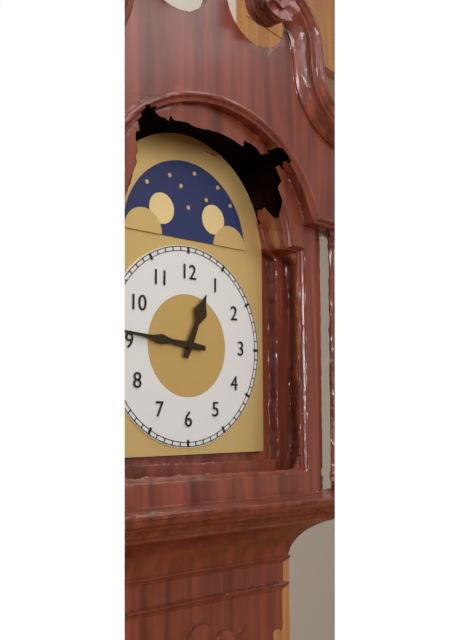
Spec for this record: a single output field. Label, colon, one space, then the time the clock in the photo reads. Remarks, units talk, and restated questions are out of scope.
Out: 12:46
